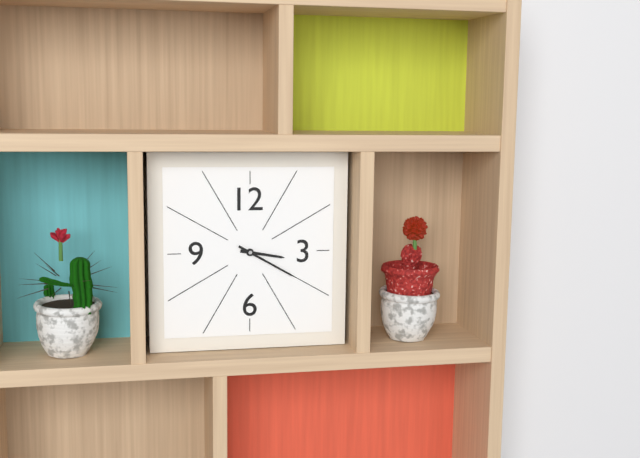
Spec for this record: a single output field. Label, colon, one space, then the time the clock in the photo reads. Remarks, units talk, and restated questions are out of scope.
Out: 3:20
